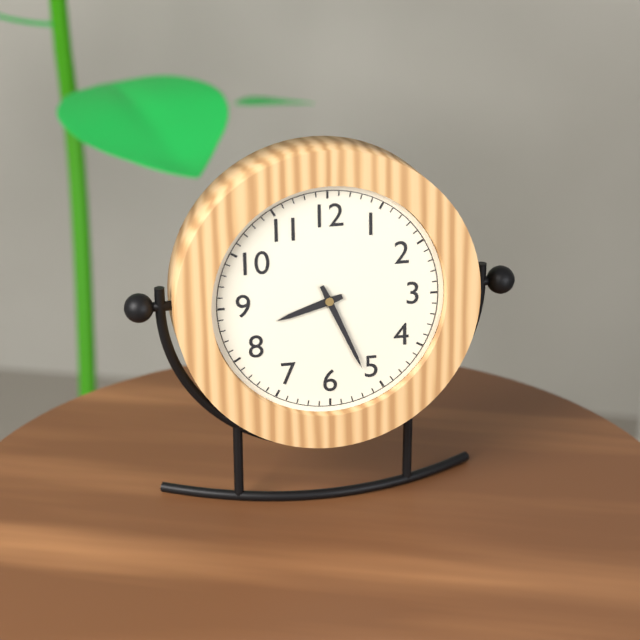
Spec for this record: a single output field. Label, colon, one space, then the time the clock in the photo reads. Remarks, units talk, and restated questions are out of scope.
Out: 8:26
